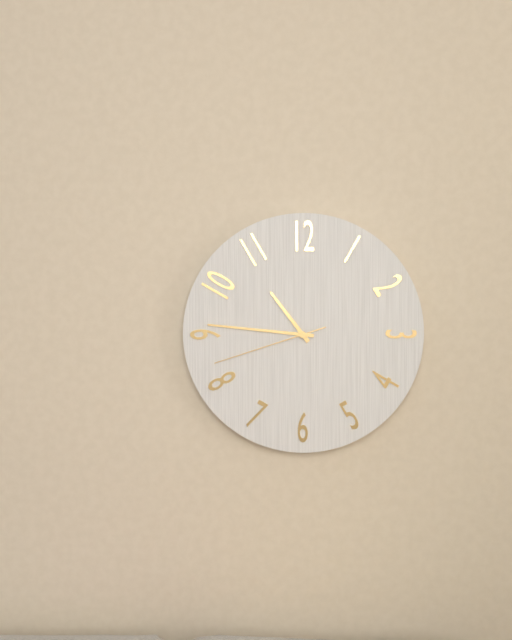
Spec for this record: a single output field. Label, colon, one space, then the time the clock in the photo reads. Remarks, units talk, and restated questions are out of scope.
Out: 10:46:42
